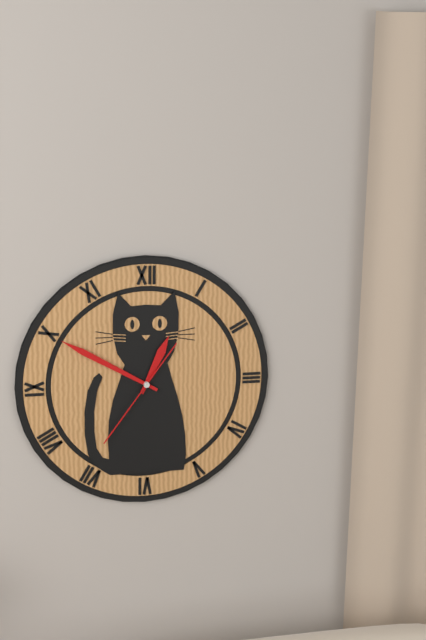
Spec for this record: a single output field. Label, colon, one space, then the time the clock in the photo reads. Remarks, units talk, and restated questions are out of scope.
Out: 12:50:36
